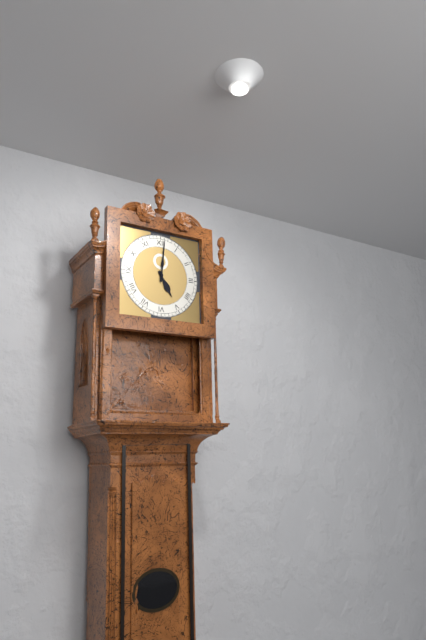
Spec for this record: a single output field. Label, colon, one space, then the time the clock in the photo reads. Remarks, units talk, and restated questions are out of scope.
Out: 5:01
